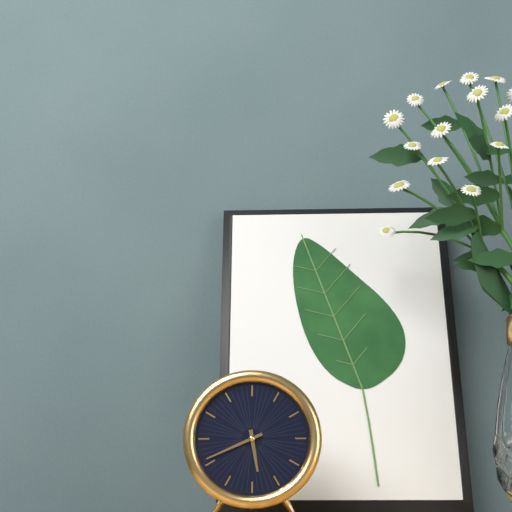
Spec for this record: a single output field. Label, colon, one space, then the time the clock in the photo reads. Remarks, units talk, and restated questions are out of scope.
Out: 5:41
